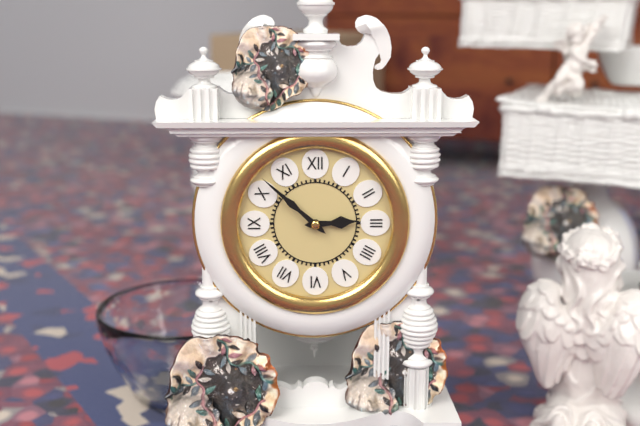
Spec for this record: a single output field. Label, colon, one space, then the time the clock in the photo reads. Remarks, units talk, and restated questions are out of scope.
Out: 2:52
